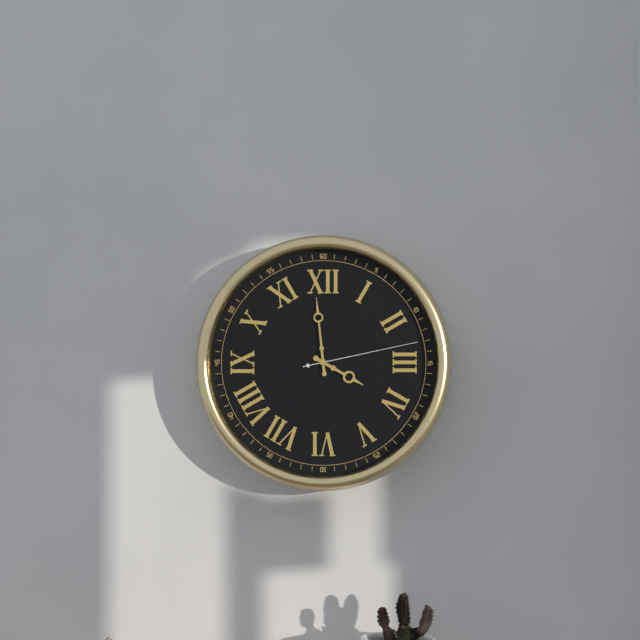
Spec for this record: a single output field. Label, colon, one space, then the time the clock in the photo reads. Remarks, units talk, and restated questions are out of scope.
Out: 3:59:13
